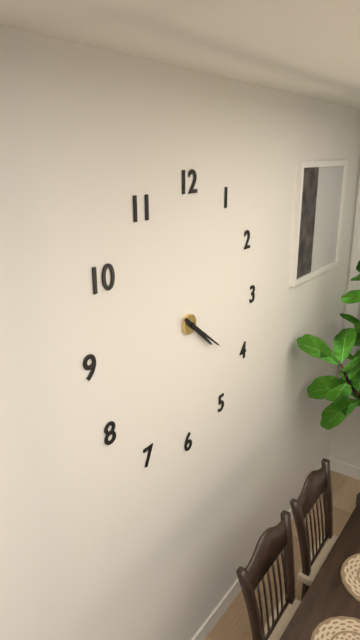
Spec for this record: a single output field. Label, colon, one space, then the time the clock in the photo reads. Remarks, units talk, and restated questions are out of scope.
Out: 4:21
